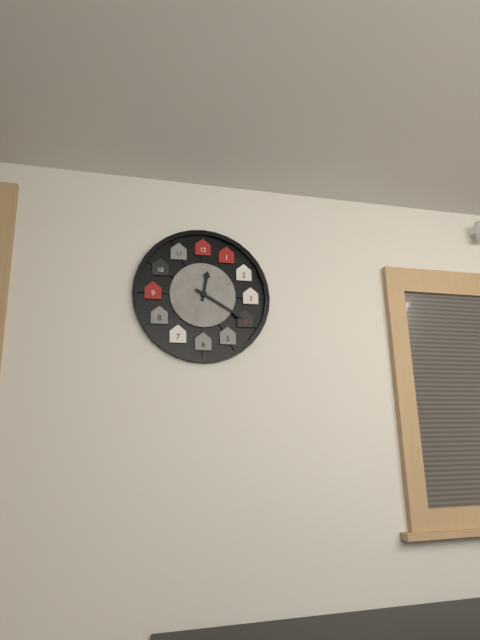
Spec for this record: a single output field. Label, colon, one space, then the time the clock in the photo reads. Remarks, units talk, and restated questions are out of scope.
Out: 12:20
